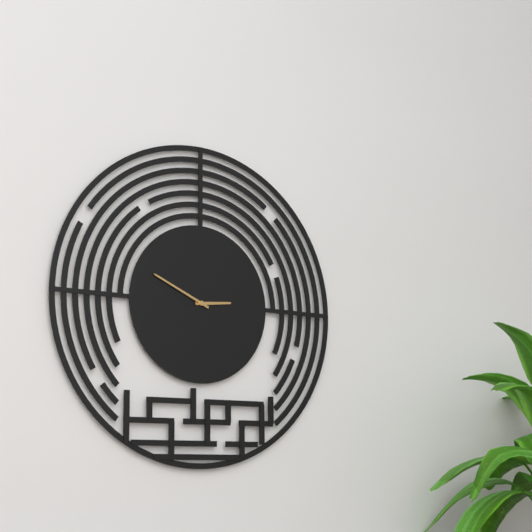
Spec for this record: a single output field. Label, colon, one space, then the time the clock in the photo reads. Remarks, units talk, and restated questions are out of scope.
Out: 2:49
